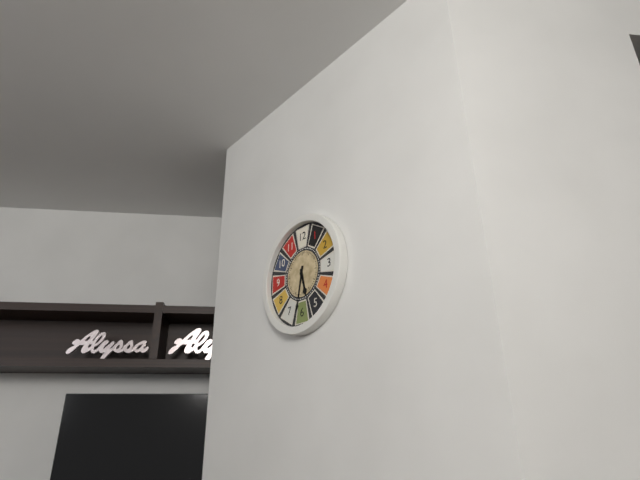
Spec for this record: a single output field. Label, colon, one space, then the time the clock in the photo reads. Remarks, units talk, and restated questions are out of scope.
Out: 5:32
